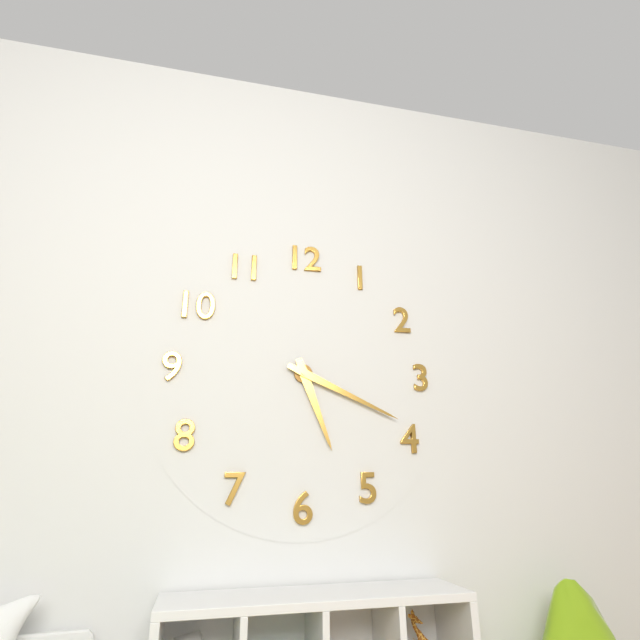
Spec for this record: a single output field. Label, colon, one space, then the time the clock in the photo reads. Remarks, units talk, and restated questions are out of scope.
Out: 5:19
